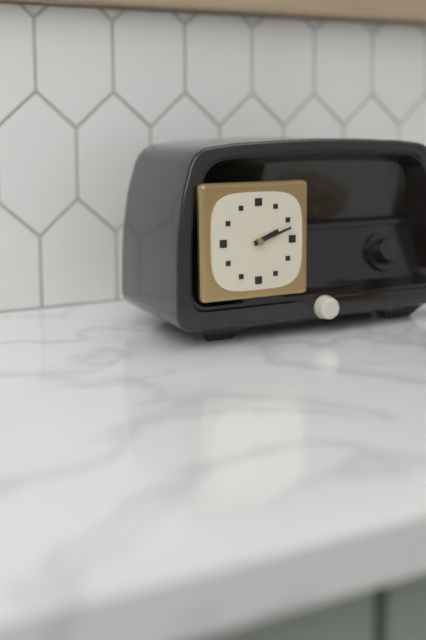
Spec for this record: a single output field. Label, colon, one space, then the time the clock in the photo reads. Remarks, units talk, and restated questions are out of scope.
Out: 2:12
